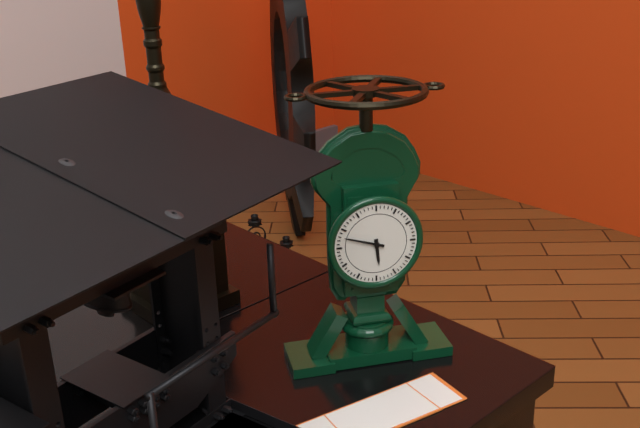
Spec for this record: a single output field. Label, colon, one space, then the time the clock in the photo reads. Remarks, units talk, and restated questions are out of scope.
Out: 5:48
